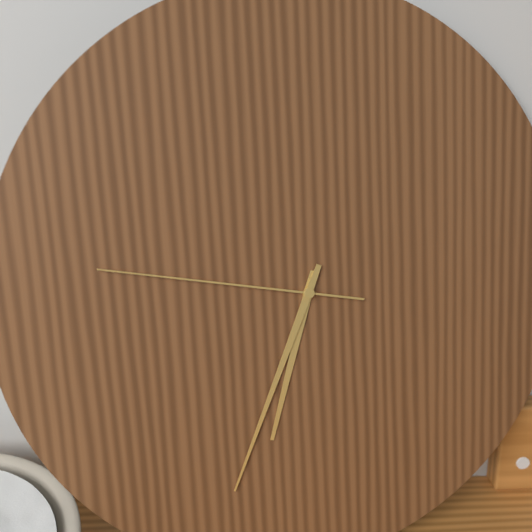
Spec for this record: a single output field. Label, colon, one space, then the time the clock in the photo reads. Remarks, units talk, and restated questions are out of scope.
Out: 6:34:47
